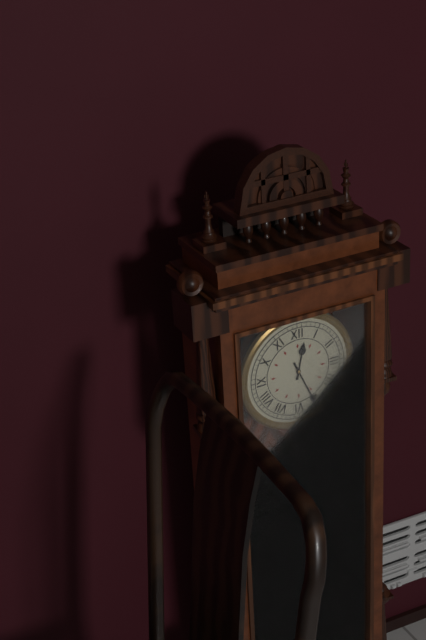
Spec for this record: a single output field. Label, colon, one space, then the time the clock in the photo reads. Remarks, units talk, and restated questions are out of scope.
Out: 12:26
